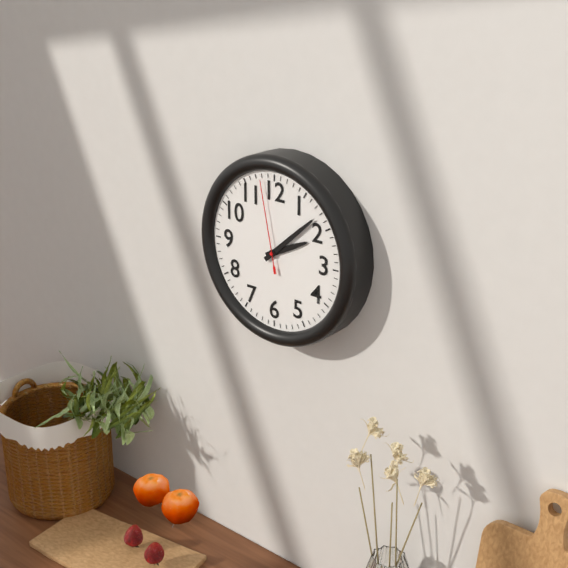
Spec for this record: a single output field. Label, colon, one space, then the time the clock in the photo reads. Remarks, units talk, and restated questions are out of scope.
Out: 2:08:58
